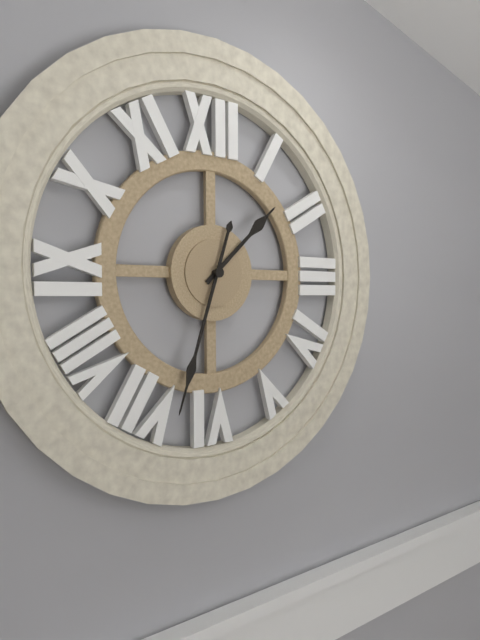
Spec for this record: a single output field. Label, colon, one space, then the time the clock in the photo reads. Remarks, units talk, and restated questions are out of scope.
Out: 1:33
